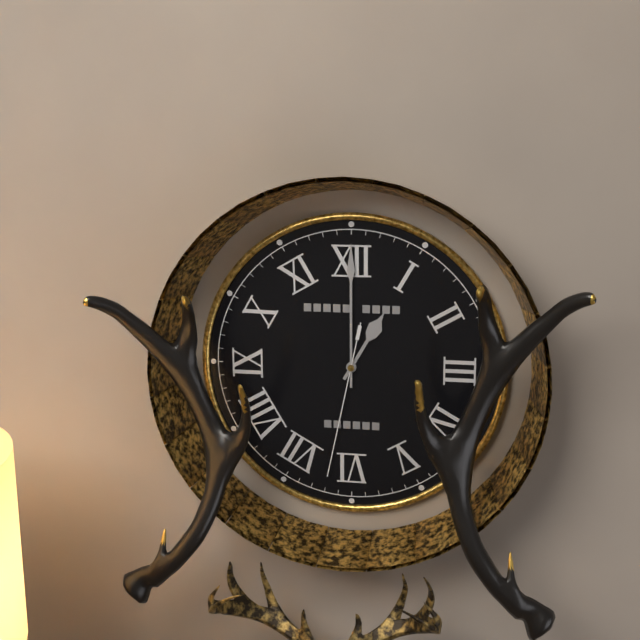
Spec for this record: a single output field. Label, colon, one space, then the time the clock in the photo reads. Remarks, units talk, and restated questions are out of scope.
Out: 1:00:32
